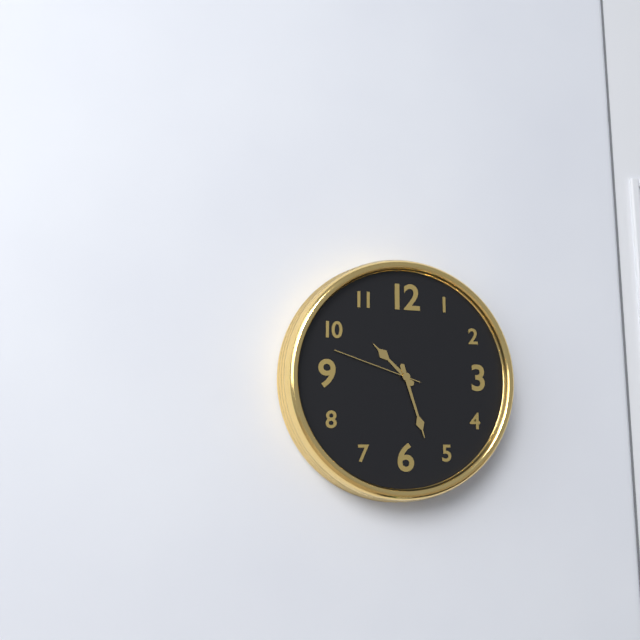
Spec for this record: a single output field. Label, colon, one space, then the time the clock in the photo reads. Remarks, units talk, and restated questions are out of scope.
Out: 10:27:48
